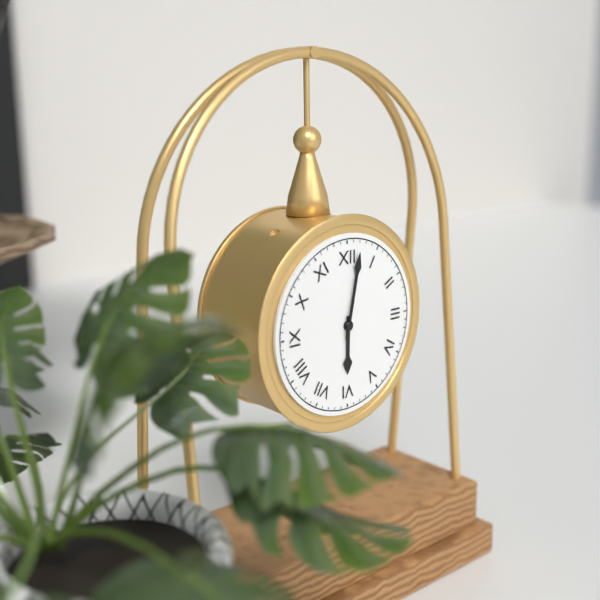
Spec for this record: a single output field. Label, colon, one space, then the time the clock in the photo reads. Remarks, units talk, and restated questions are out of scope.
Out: 6:02
